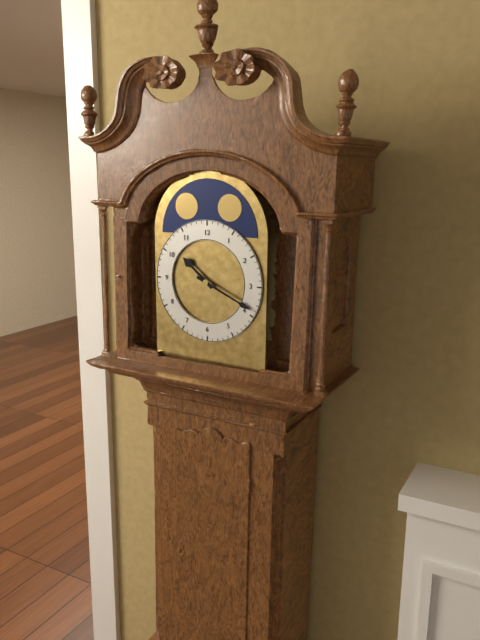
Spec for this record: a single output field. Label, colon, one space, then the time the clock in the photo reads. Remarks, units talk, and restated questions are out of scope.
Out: 10:19
